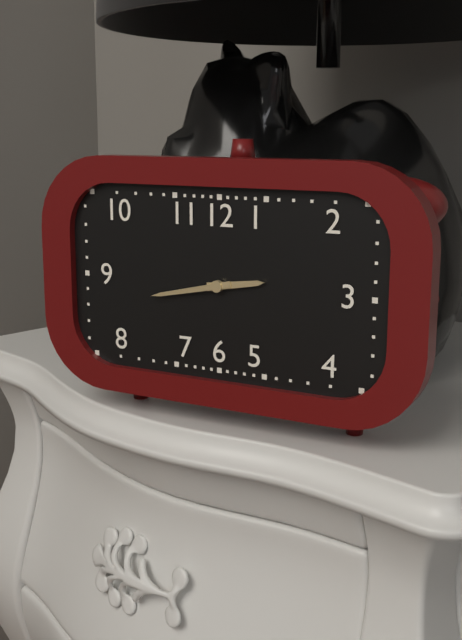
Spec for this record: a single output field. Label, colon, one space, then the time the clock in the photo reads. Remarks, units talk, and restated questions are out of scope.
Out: 2:43
